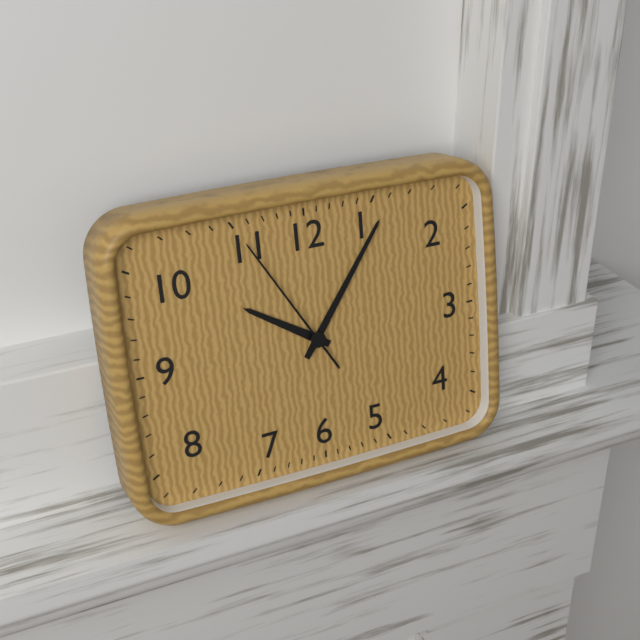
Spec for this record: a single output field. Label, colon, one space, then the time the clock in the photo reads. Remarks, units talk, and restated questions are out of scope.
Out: 10:06:55
